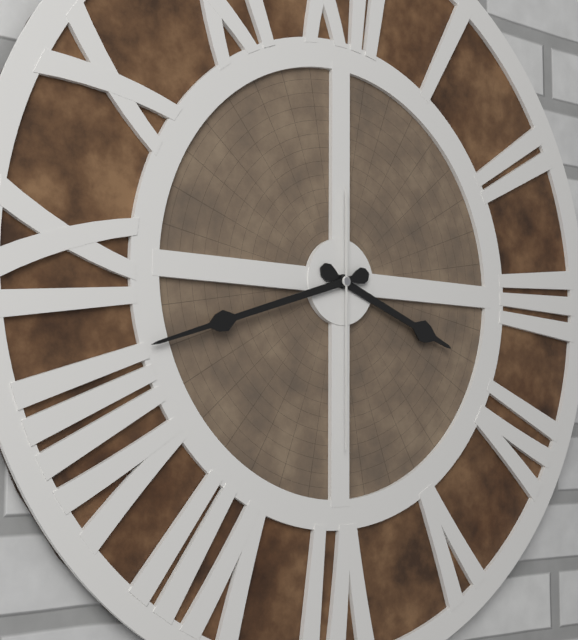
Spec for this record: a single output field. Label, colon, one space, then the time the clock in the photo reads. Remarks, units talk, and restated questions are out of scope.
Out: 3:42:30
